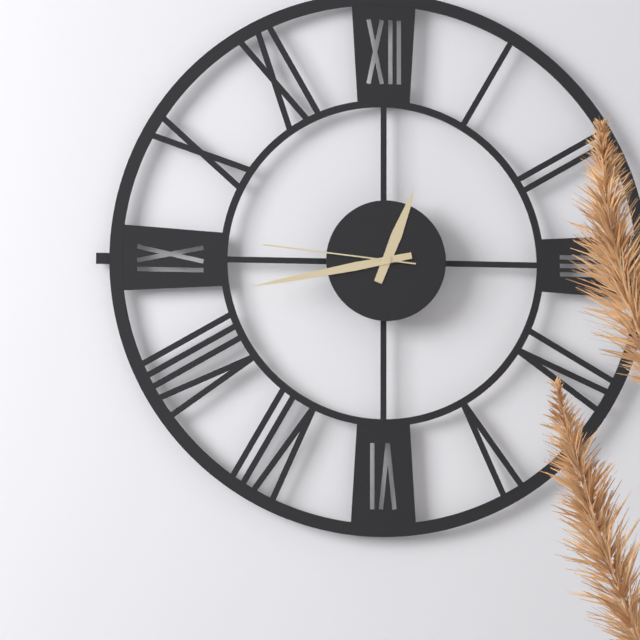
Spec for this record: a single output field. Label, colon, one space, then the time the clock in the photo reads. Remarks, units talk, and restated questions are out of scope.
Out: 12:43:46
